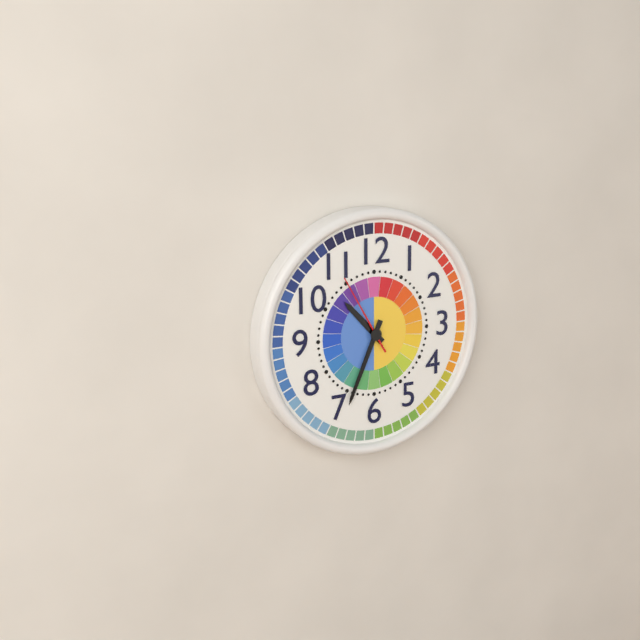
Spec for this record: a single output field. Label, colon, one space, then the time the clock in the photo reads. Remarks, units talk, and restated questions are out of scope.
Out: 10:34:55
